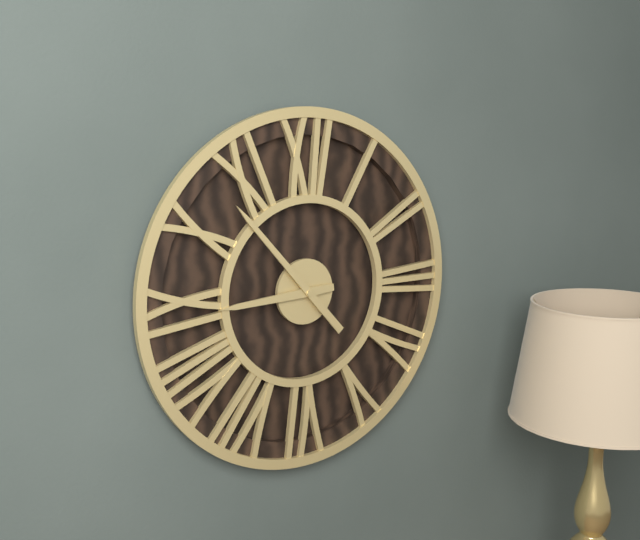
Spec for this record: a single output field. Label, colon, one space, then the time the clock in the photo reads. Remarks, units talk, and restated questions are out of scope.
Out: 8:53
